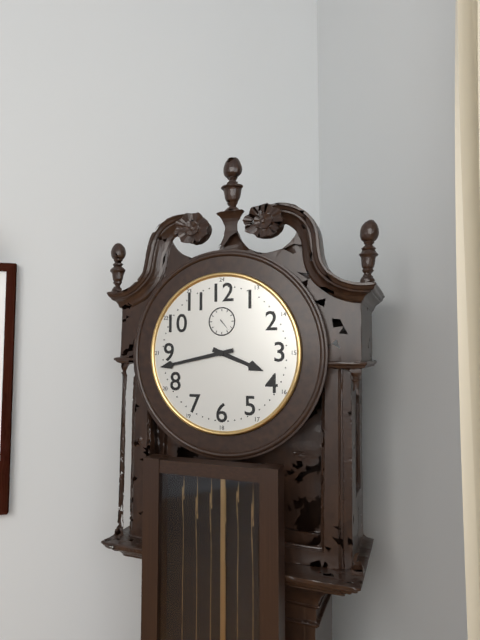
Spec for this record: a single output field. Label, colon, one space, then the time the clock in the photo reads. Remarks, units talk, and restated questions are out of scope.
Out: 3:43
